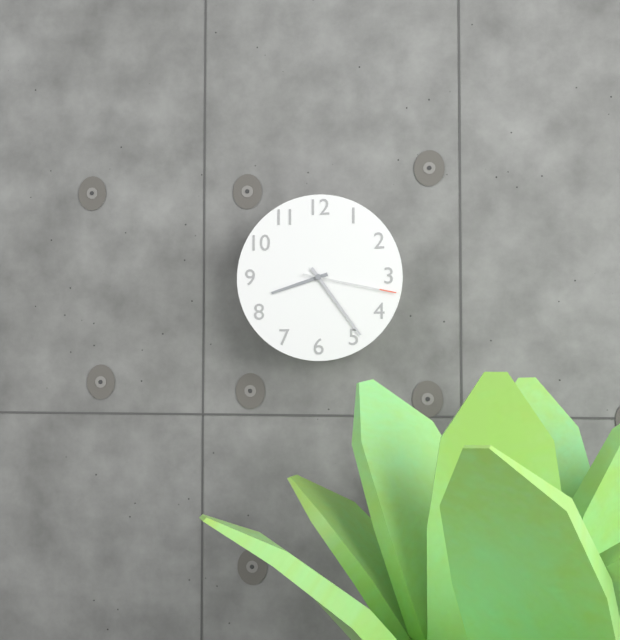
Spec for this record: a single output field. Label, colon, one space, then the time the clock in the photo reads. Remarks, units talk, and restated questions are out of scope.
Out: 8:24:17
